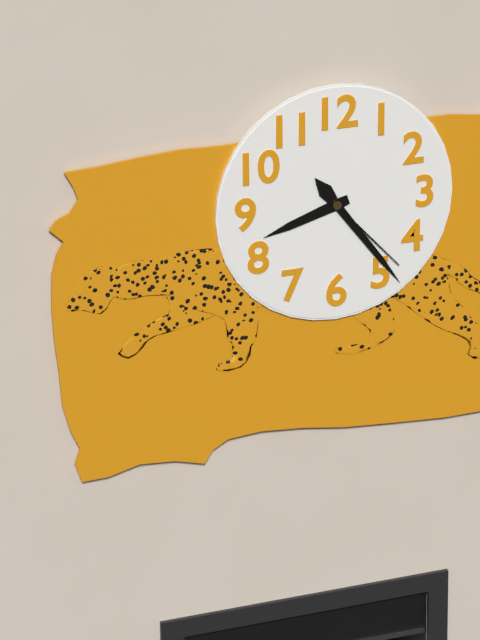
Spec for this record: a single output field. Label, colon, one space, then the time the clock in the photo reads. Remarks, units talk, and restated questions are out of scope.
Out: 8:24:23
